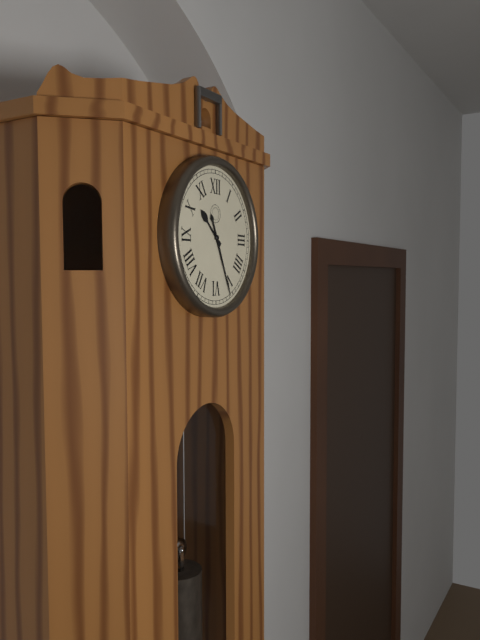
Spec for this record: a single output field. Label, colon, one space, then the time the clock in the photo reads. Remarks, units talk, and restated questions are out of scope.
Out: 10:26
